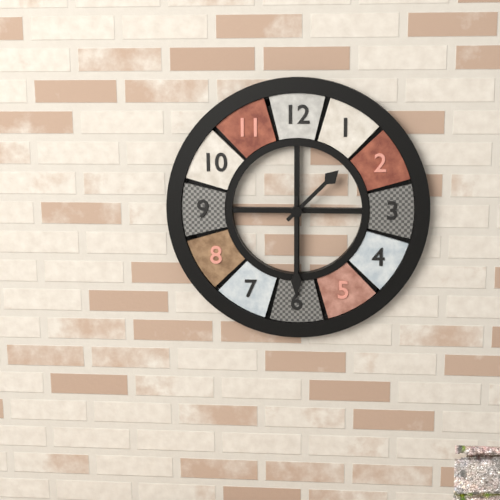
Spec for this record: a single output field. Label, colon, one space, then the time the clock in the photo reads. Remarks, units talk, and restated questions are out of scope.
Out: 1:30
